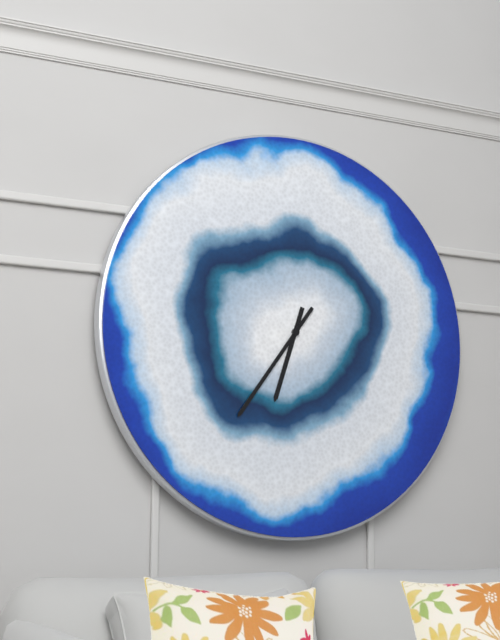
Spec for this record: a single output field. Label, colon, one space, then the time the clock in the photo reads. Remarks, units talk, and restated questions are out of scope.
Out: 6:36
